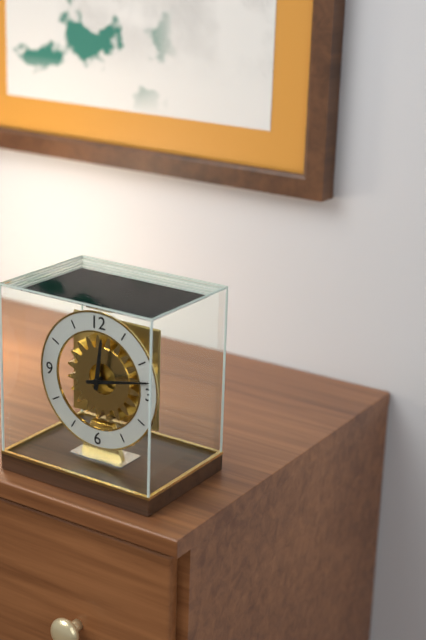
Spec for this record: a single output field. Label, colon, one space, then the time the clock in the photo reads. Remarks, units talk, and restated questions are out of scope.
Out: 12:13
